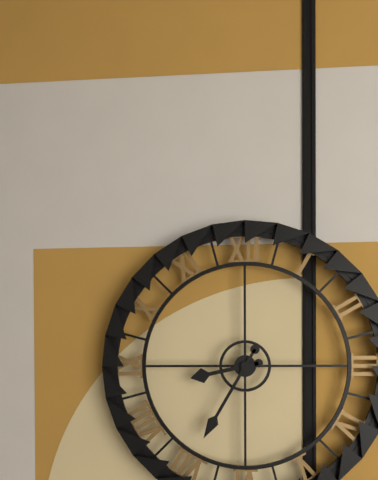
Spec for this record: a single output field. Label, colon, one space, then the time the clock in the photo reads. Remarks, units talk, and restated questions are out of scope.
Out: 8:35
